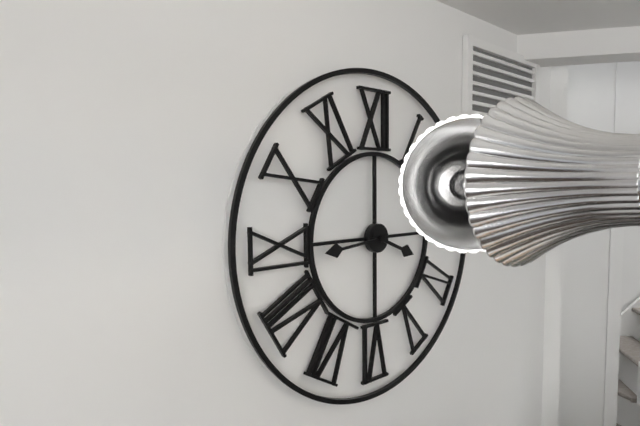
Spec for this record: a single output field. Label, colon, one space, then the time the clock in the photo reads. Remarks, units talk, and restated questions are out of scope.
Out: 3:44
